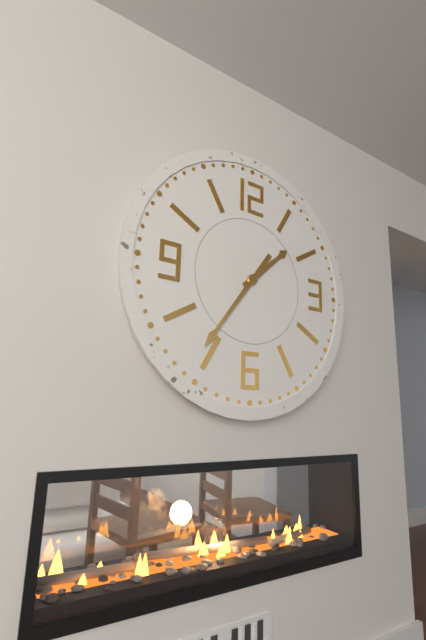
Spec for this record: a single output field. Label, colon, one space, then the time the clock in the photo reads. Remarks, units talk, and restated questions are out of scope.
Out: 1:36
